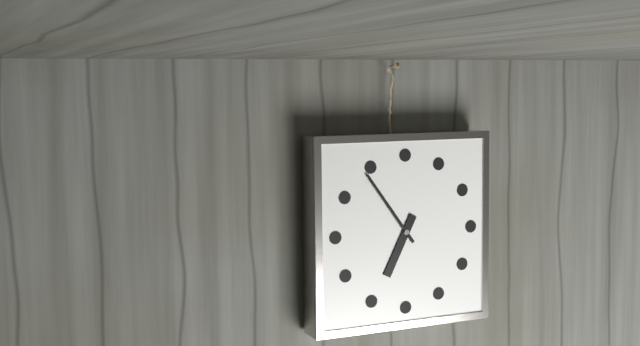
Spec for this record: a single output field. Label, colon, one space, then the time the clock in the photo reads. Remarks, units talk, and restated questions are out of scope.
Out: 6:54
